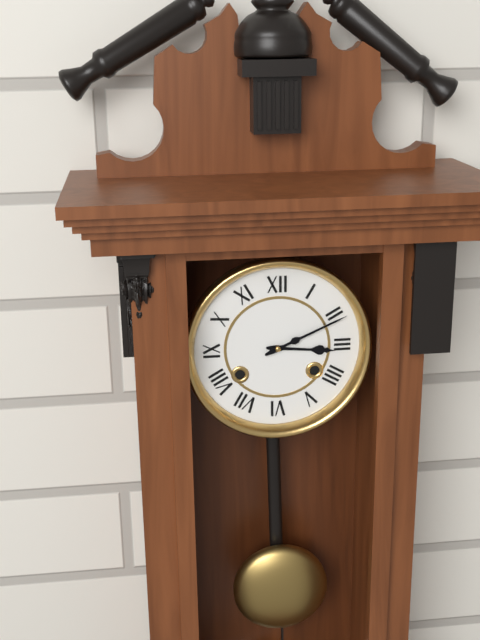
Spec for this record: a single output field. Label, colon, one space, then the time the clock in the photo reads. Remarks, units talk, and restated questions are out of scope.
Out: 3:11
